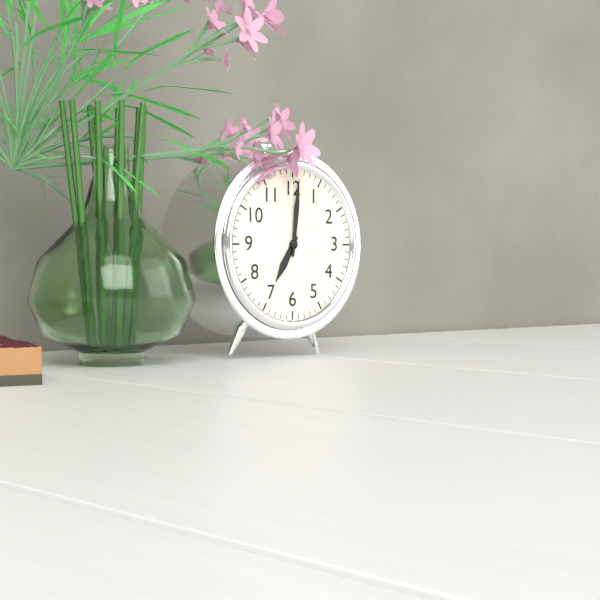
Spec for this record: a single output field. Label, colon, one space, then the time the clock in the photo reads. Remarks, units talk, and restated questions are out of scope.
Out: 7:01
